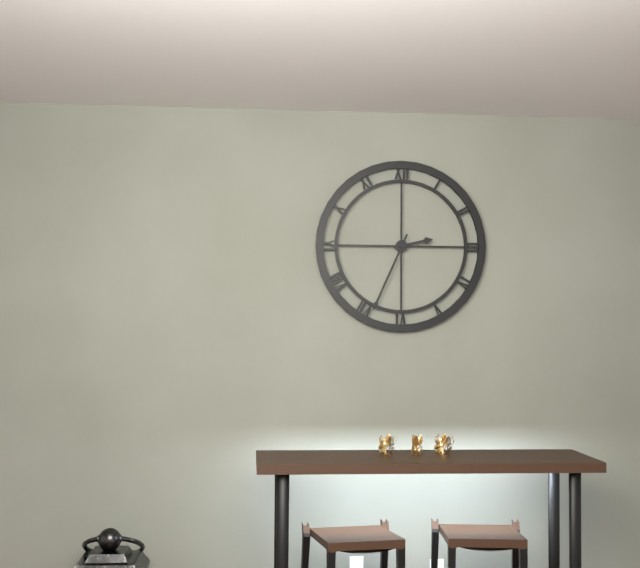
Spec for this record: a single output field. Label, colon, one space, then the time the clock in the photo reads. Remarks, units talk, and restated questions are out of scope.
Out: 2:34
